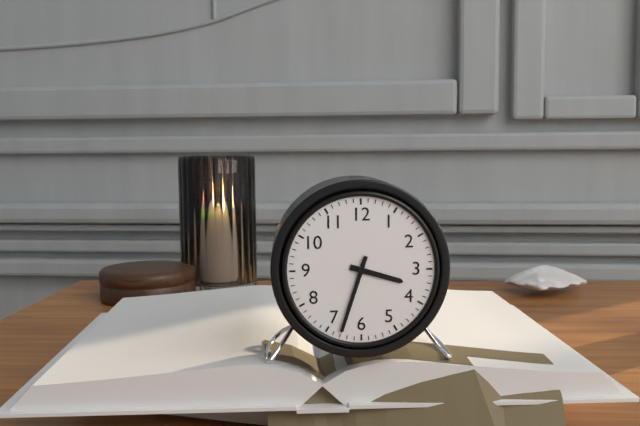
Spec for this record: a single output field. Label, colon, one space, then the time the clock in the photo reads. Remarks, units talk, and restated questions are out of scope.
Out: 3:33
